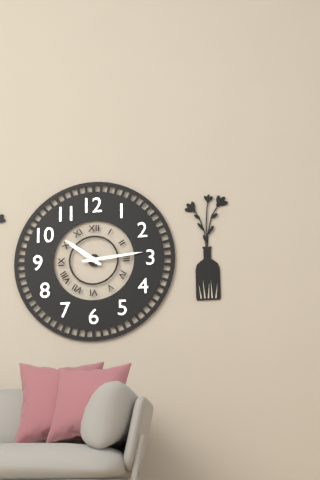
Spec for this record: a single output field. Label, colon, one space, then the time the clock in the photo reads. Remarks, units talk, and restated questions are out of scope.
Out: 10:14
